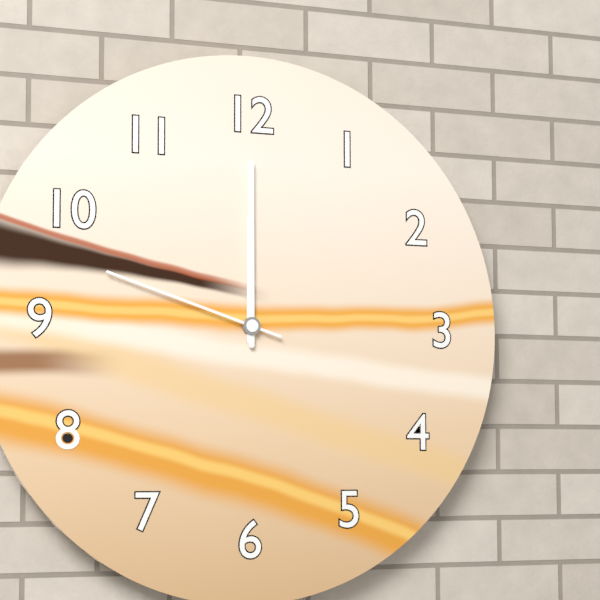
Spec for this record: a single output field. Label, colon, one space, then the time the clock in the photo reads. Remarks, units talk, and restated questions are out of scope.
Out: 12:00:48
